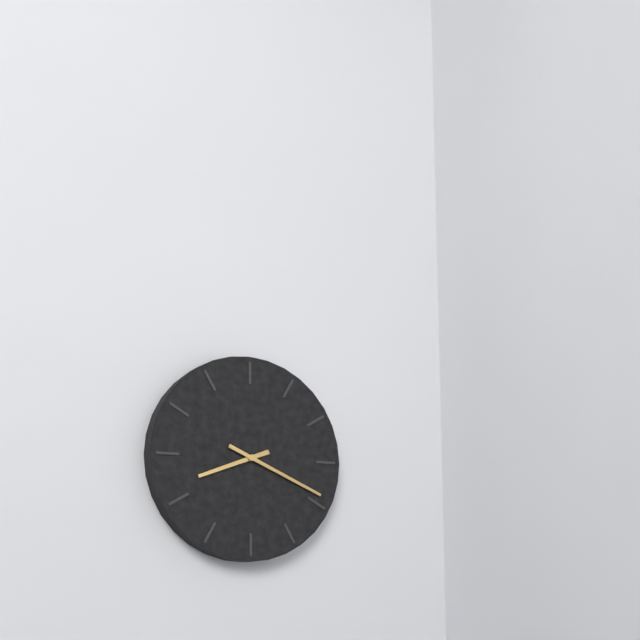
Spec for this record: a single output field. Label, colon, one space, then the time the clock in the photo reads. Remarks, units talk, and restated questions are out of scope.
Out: 8:19
